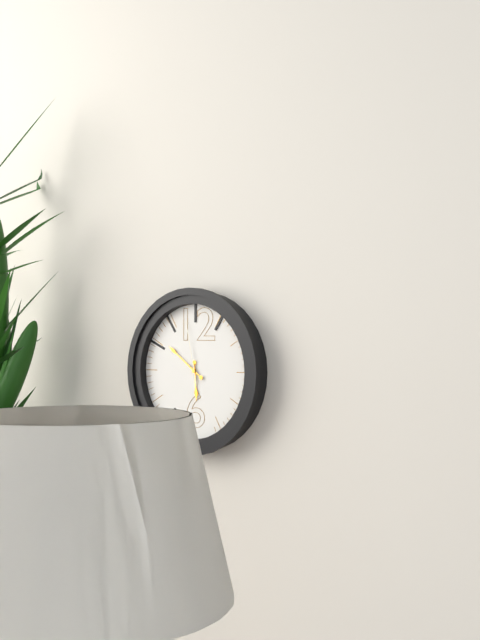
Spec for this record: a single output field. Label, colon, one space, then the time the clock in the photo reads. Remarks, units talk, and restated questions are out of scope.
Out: 5:51:58
